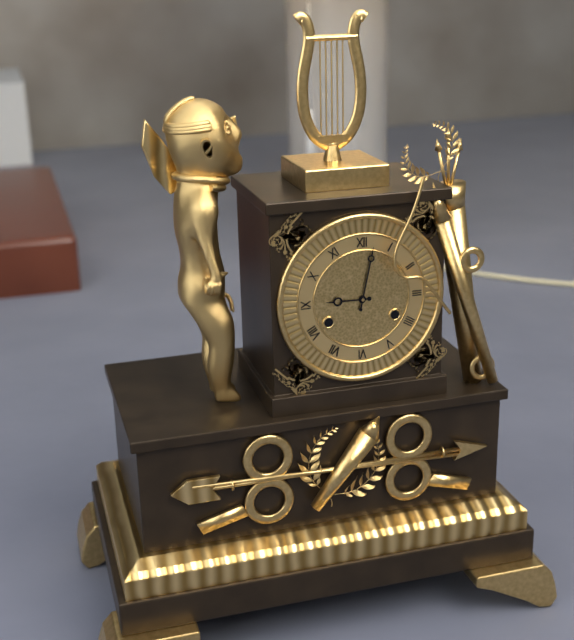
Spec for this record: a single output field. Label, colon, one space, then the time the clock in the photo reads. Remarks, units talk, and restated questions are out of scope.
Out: 9:02
